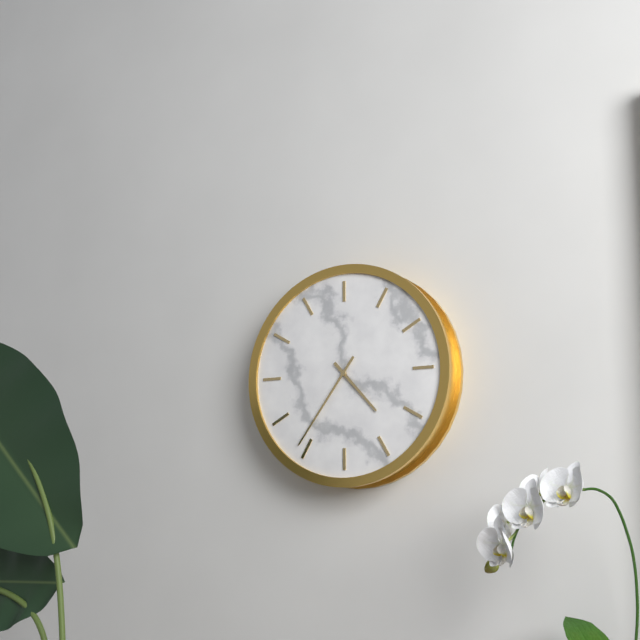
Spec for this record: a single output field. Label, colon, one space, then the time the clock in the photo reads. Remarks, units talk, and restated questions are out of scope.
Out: 4:36
